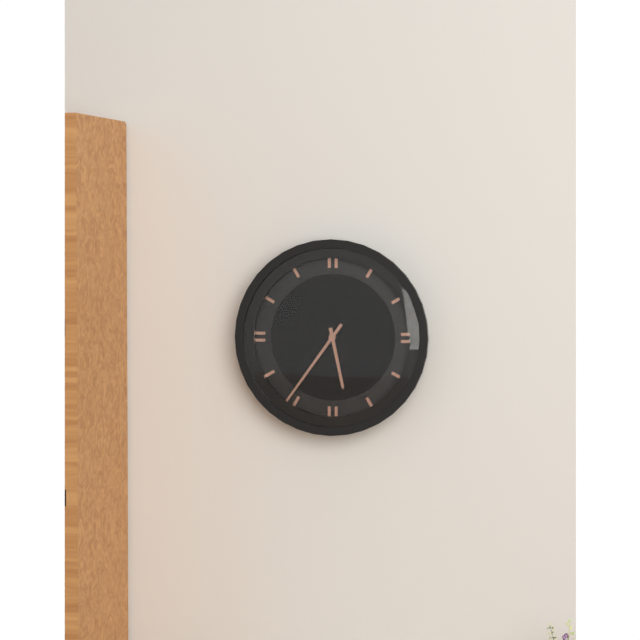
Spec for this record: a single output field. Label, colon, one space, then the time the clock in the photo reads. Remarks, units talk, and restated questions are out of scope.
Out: 5:36
